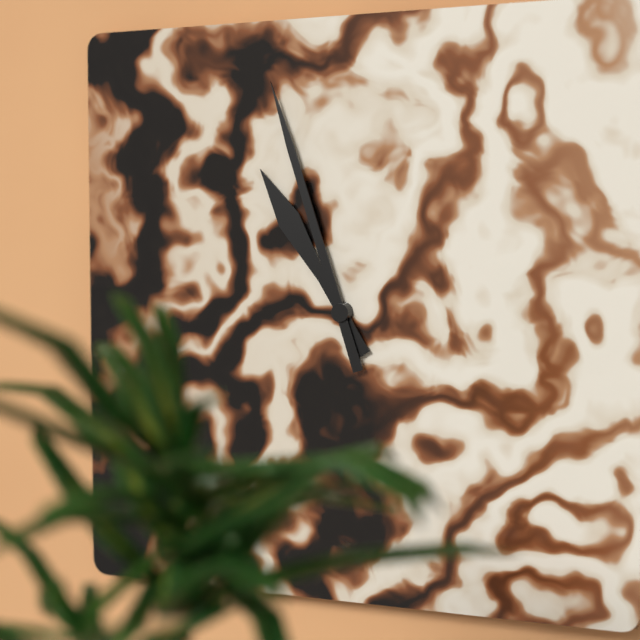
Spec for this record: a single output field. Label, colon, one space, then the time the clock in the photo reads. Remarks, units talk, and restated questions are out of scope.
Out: 10:57
